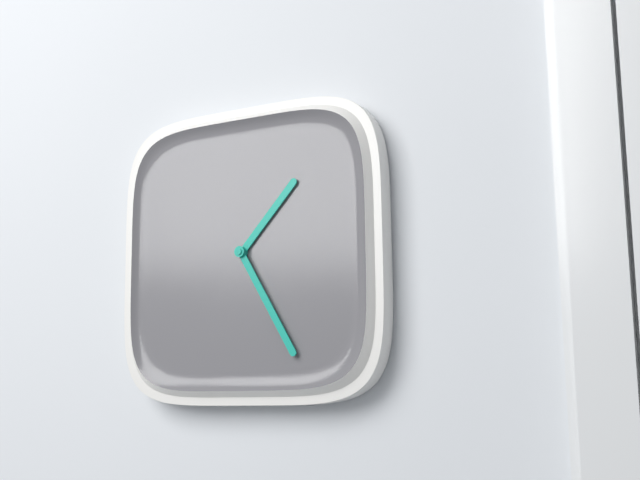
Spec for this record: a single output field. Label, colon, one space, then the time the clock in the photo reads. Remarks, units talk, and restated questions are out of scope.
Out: 1:25
